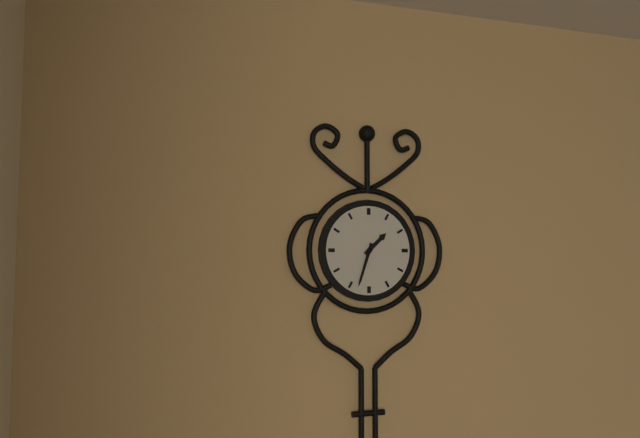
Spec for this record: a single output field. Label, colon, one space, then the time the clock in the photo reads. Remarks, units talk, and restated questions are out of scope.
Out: 1:33
